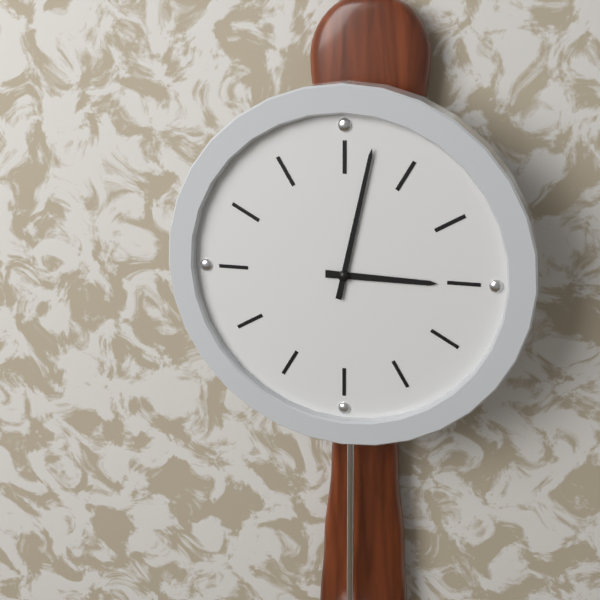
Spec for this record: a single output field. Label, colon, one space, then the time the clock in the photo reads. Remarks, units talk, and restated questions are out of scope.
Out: 3:02
